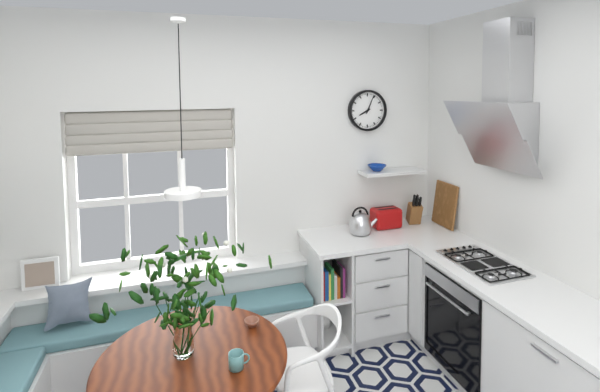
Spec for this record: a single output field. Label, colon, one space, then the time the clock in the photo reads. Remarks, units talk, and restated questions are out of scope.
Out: 8:04
